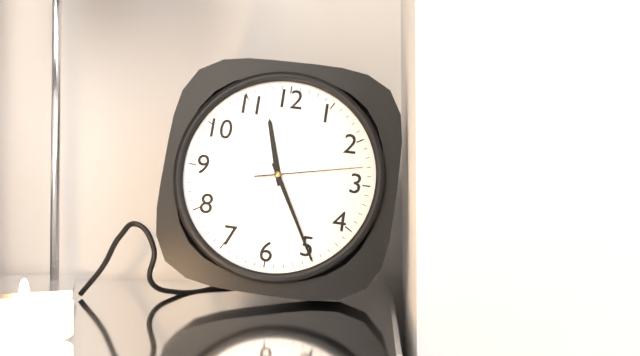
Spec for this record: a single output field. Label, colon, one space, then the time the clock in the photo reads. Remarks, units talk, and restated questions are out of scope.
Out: 11:25:13
